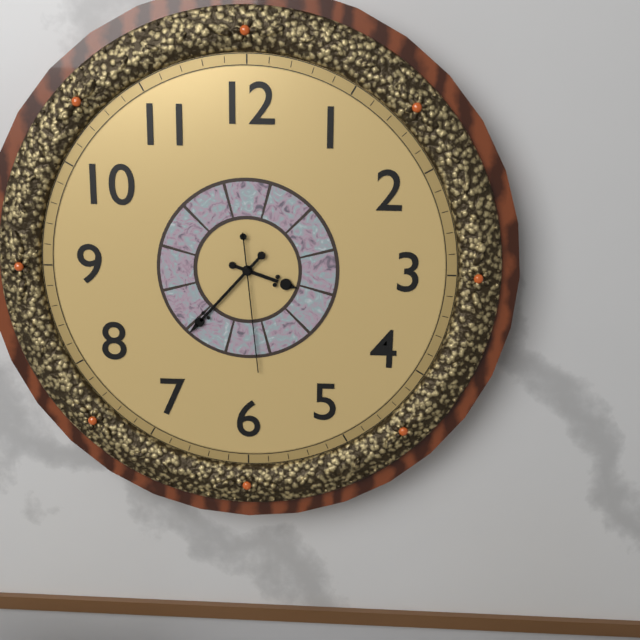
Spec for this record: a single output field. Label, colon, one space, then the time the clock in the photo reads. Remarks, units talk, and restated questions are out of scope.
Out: 3:37:29
